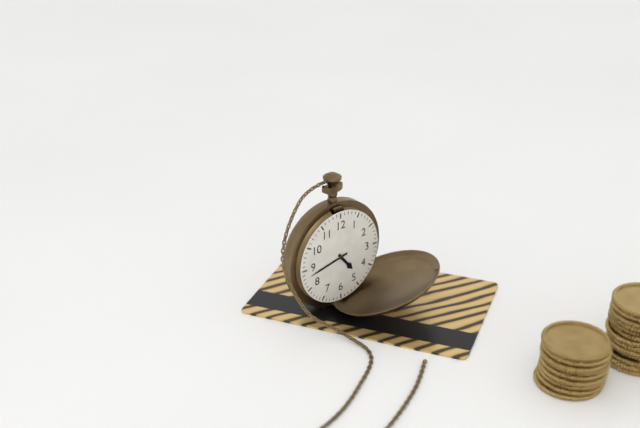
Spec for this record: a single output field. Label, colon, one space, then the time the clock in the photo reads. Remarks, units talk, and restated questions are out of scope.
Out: 4:43
